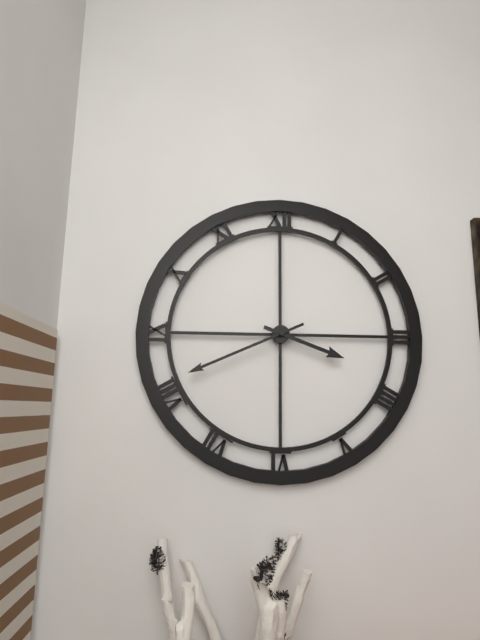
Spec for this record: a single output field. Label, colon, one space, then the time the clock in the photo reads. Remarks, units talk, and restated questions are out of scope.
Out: 3:41
